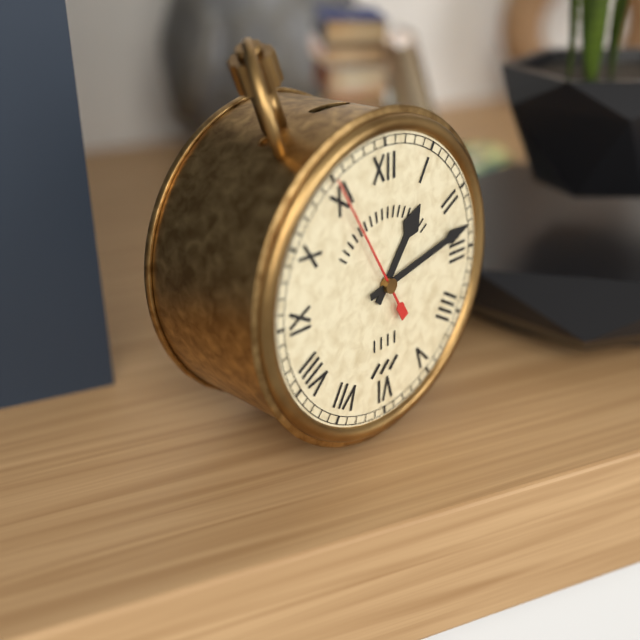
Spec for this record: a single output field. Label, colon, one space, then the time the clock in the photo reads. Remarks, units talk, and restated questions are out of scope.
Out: 1:13:55
